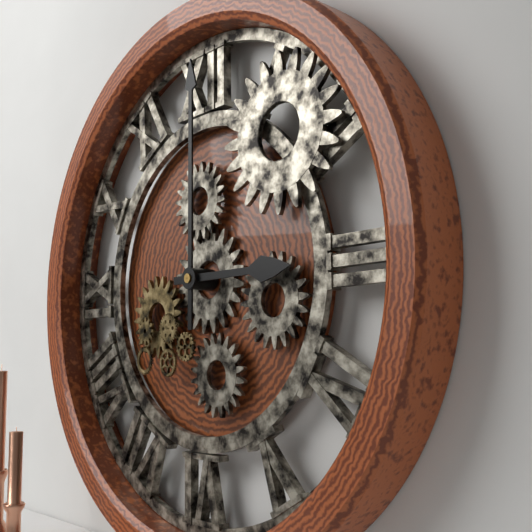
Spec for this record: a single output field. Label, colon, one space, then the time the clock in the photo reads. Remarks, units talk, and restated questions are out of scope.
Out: 3:00
